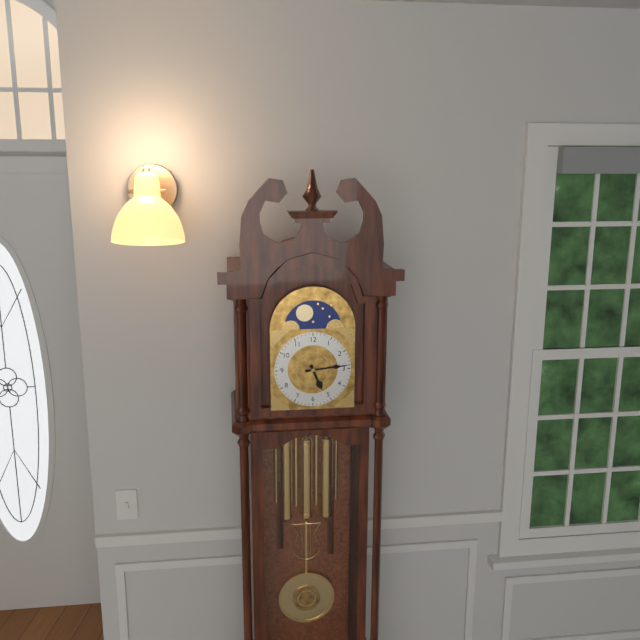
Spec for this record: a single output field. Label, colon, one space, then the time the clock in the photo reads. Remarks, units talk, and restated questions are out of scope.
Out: 5:14
